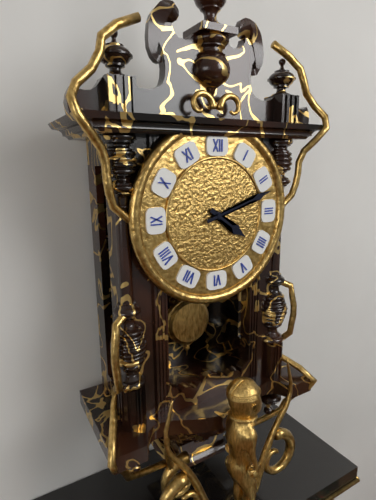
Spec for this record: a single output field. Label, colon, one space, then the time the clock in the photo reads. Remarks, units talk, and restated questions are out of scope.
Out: 4:12
